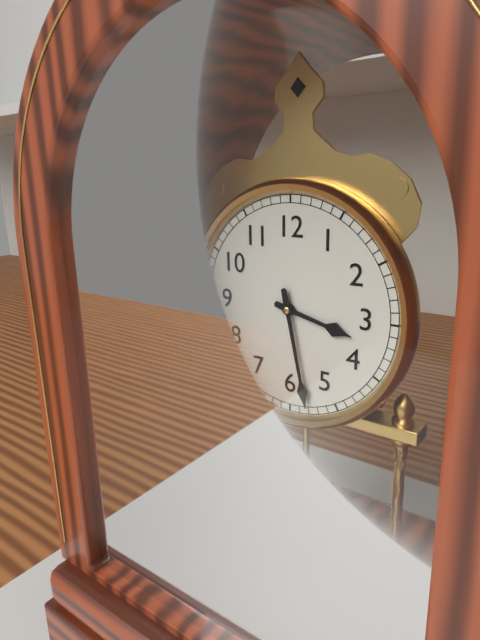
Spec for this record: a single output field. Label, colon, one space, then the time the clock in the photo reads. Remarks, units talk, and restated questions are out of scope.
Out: 3:28
